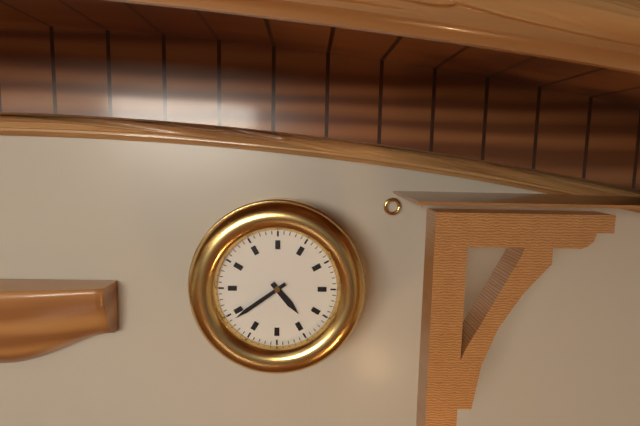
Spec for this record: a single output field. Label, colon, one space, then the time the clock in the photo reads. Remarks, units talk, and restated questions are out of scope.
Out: 4:39
